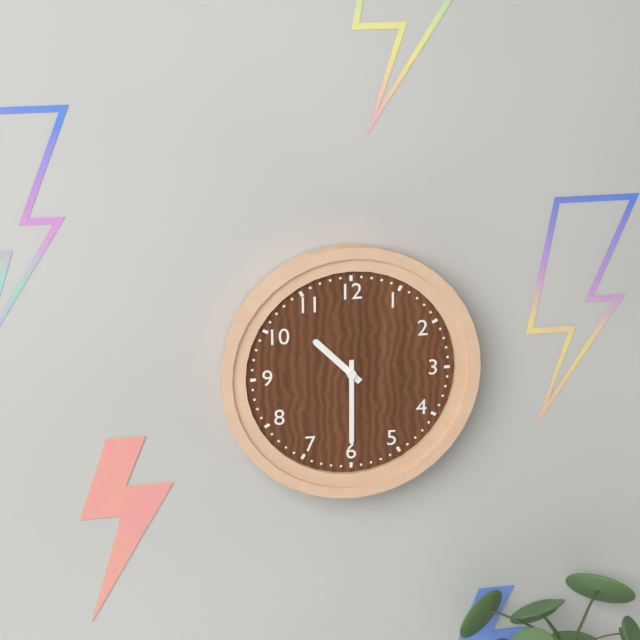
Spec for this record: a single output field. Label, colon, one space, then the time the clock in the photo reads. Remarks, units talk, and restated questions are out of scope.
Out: 10:30
